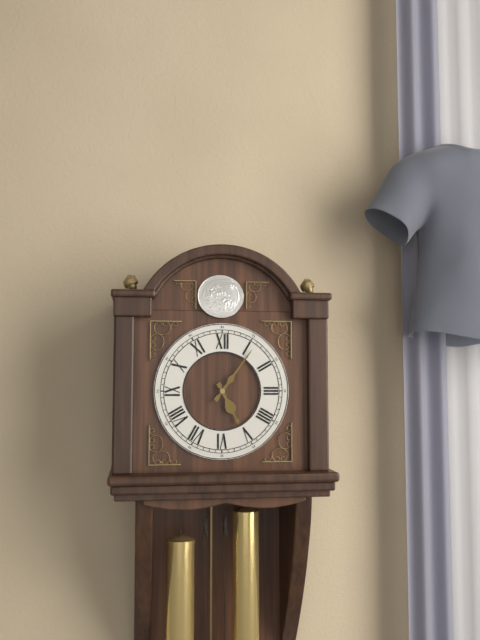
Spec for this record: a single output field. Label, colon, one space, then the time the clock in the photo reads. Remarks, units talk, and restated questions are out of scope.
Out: 5:06
